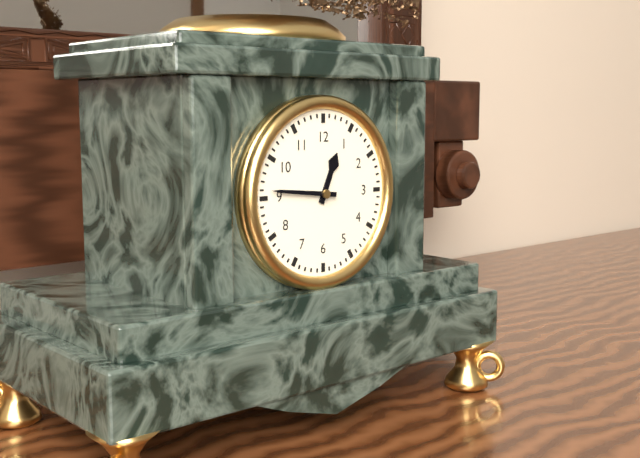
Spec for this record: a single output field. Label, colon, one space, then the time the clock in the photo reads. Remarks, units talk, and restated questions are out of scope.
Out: 12:46
